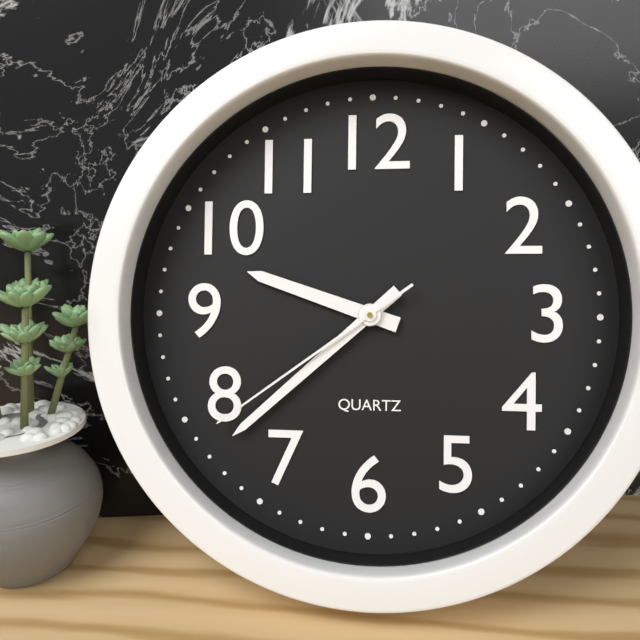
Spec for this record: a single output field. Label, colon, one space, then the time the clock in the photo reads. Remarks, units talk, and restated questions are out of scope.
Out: 9:38:39
